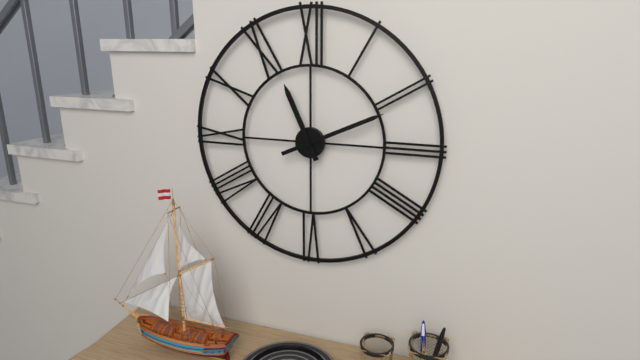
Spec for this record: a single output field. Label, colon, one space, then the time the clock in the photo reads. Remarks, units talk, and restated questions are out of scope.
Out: 11:11
